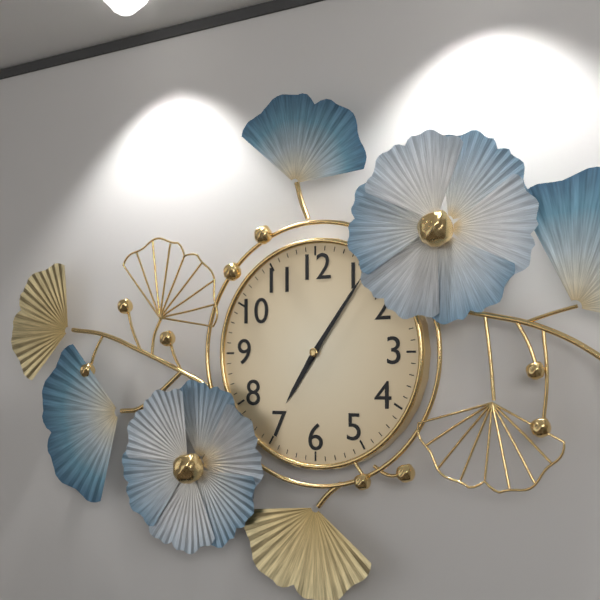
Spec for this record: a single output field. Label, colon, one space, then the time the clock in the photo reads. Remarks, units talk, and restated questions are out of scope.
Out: 7:06
